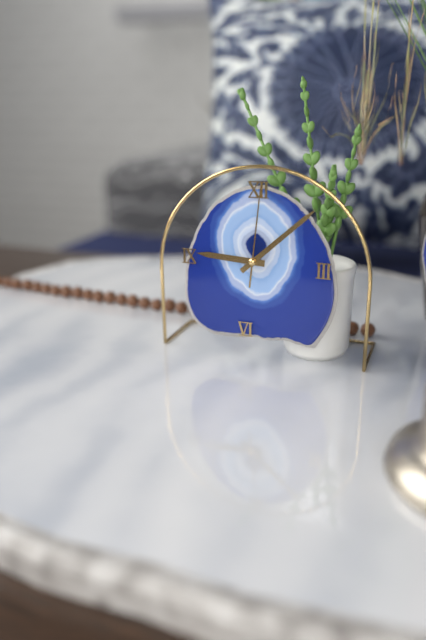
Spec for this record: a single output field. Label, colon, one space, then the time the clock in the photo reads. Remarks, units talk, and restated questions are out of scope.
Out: 9:08:01
